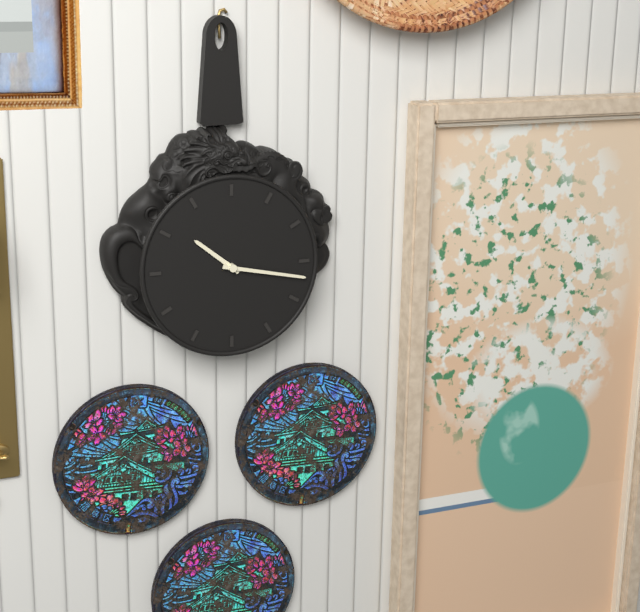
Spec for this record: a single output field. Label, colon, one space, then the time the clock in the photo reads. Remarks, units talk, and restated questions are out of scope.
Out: 10:17
